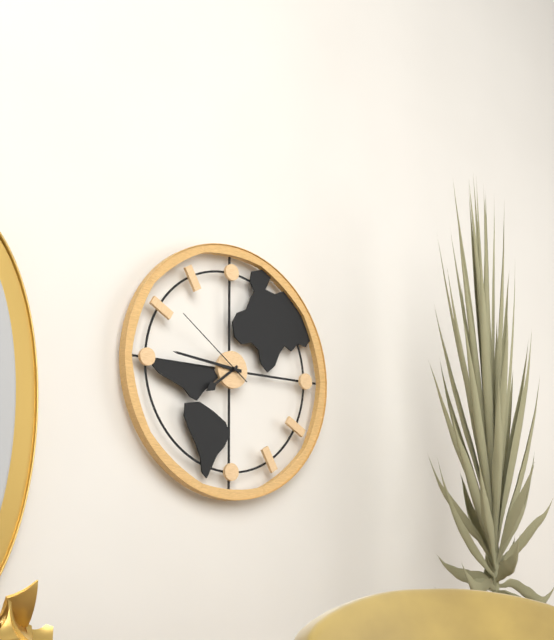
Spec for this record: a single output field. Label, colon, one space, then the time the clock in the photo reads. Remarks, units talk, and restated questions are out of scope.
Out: 7:46:51
